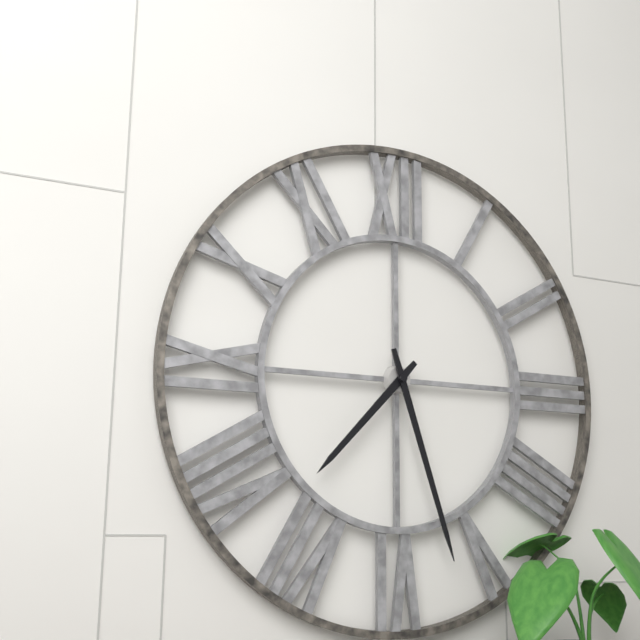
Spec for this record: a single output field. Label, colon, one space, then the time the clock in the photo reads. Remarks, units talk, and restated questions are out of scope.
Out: 7:27
